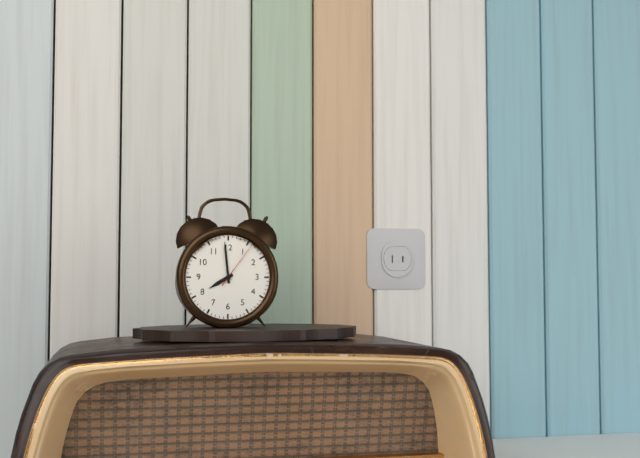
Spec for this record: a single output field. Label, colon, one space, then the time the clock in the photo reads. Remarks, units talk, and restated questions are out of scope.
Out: 7:59
